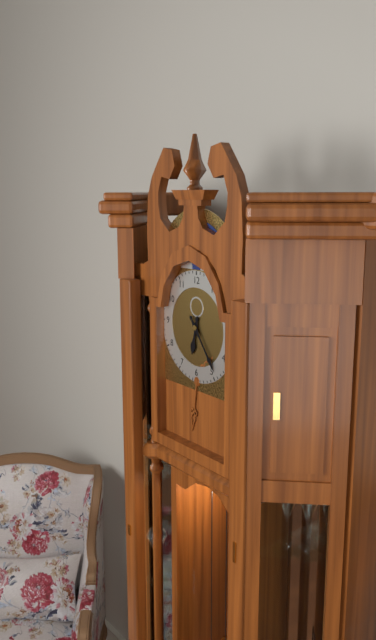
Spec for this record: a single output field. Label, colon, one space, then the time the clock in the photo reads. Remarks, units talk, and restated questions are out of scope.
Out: 6:24
